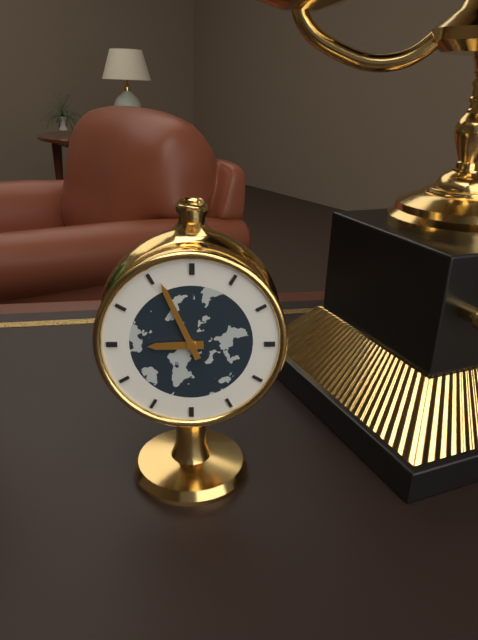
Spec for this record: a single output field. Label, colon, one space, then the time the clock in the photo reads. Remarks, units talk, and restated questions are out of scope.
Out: 8:56
